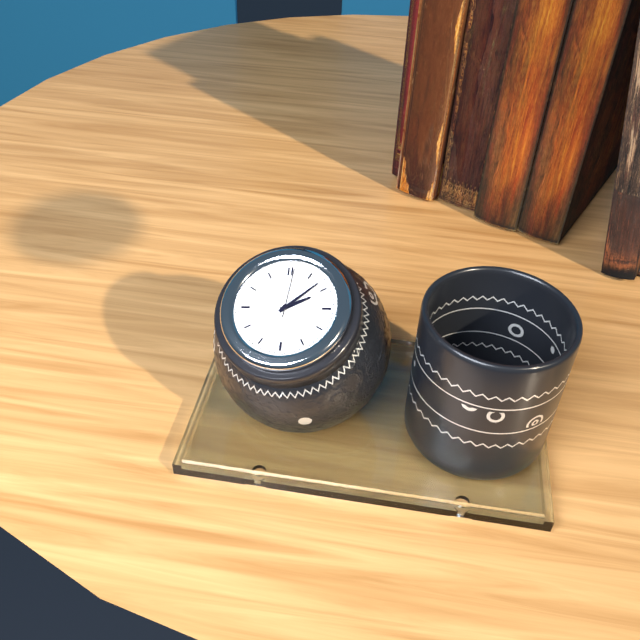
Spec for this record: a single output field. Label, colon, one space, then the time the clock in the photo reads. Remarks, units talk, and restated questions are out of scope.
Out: 2:08:01
